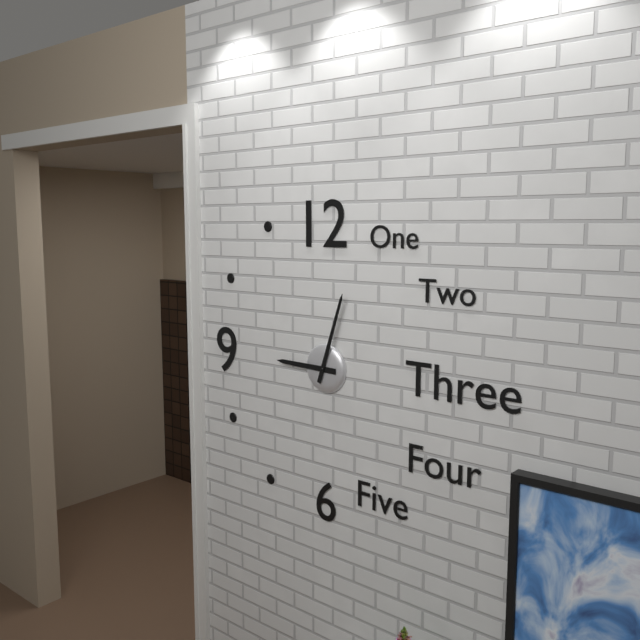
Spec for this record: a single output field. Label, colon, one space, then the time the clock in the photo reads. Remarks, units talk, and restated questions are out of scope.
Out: 9:03
